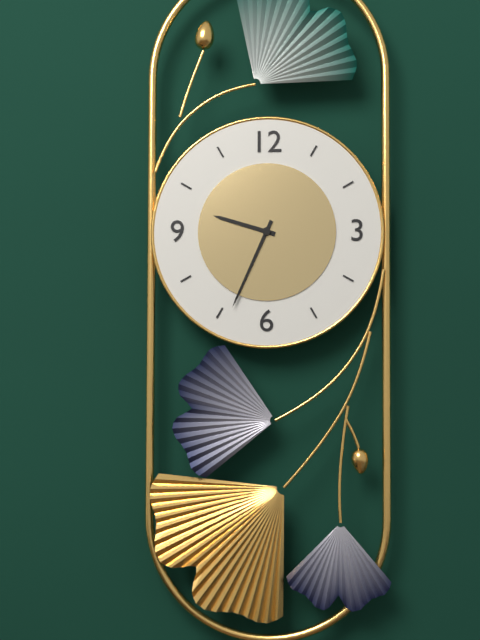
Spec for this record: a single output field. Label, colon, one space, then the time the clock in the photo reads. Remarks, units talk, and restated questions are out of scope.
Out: 9:34
